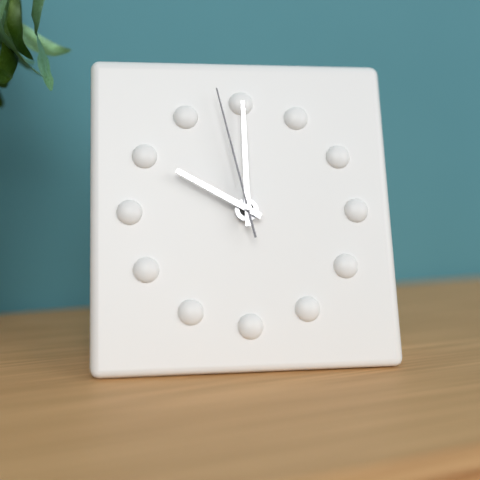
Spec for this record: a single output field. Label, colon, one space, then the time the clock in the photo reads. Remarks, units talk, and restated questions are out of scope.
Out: 10:00:58
